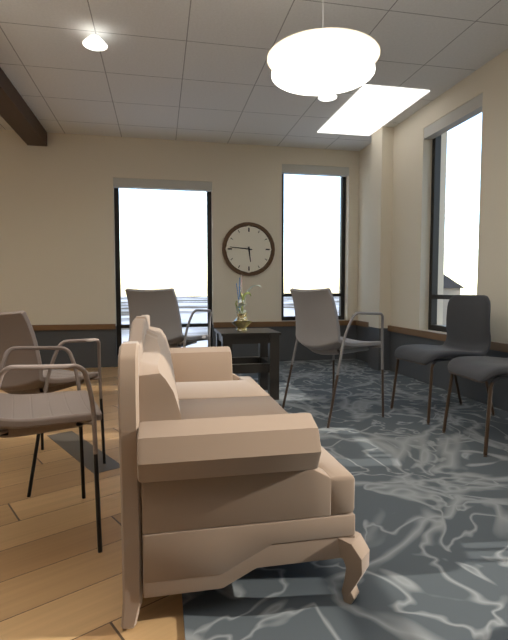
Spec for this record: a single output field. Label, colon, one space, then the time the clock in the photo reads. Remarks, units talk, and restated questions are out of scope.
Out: 5:46
